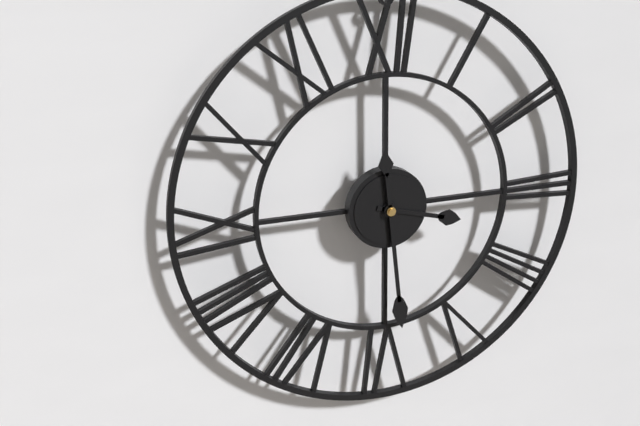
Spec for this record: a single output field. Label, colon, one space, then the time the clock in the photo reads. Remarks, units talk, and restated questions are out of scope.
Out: 3:29
